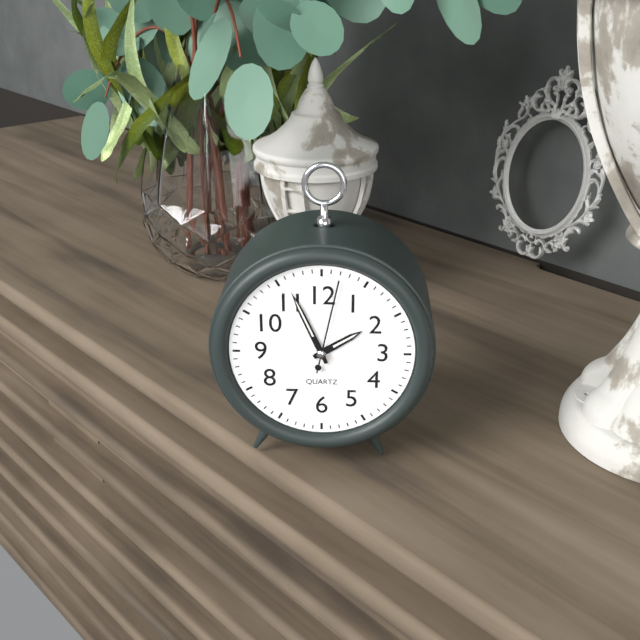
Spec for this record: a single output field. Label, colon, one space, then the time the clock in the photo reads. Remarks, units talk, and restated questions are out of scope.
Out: 1:56:02
